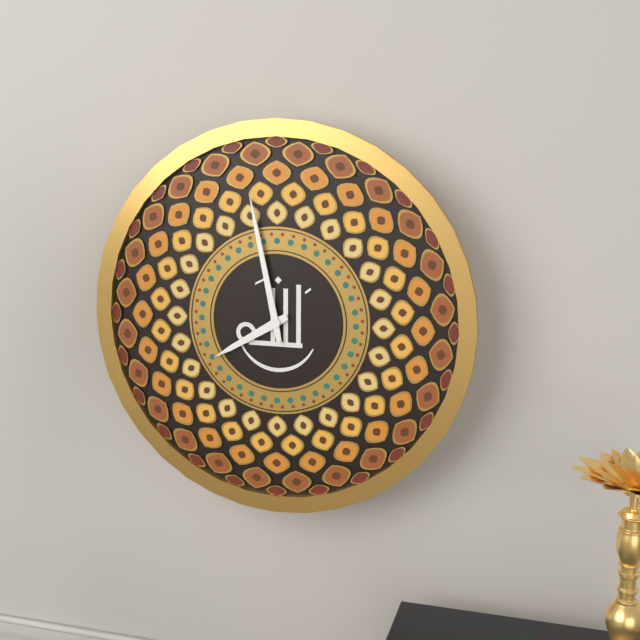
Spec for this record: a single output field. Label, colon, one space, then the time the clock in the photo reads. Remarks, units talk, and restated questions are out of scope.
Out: 7:58
